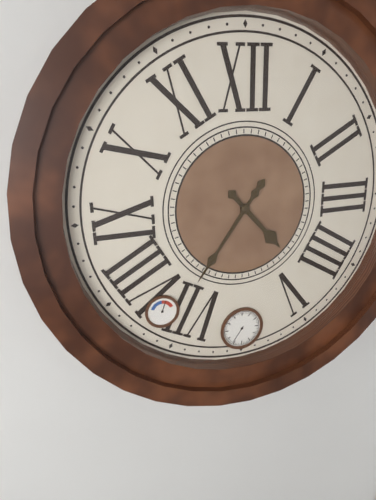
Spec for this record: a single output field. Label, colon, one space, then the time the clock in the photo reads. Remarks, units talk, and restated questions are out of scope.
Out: 4:36
